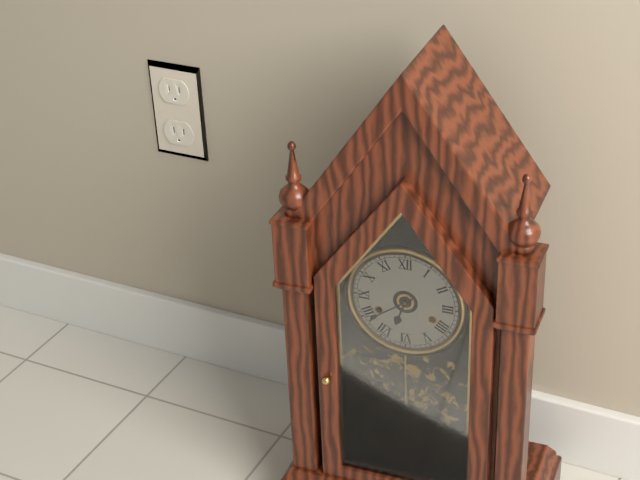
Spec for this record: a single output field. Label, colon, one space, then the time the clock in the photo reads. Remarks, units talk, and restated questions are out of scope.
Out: 6:39
